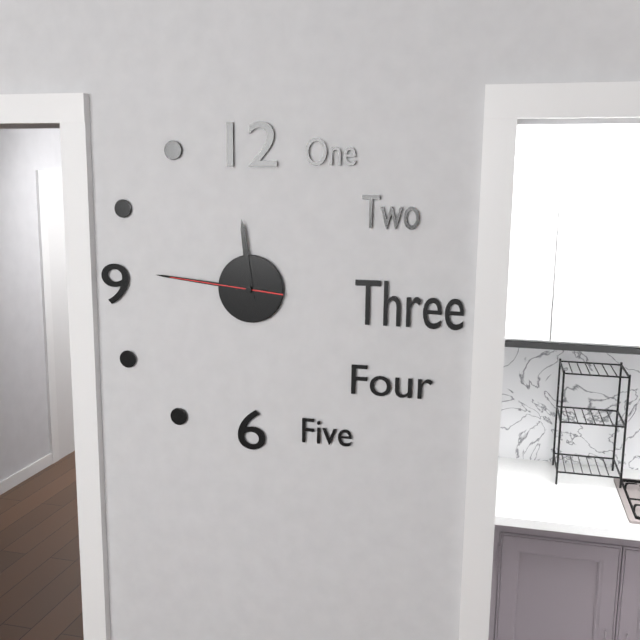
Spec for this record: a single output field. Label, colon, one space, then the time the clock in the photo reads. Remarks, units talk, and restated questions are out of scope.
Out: 11:46:46
